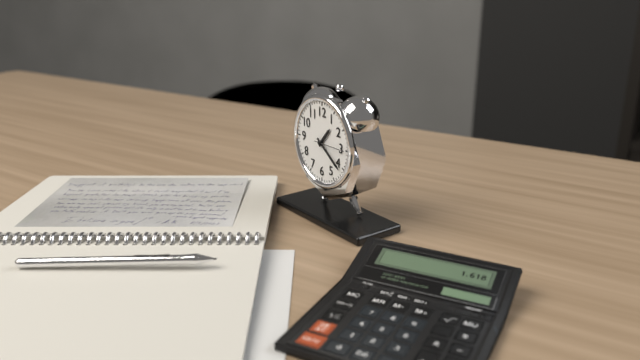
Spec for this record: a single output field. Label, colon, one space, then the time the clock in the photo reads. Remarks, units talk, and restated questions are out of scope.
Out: 1:21
